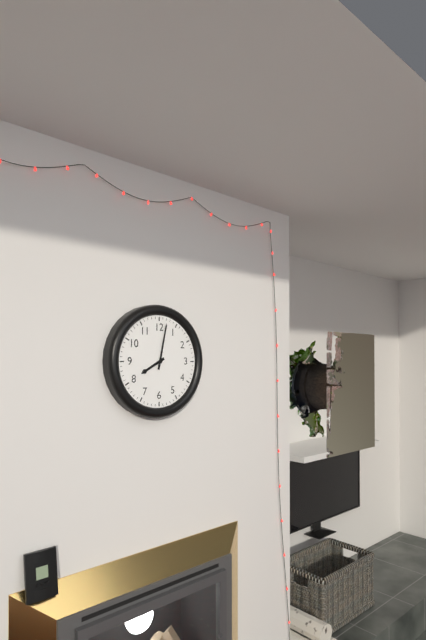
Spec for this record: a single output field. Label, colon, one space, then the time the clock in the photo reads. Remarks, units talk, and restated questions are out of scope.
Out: 8:02
